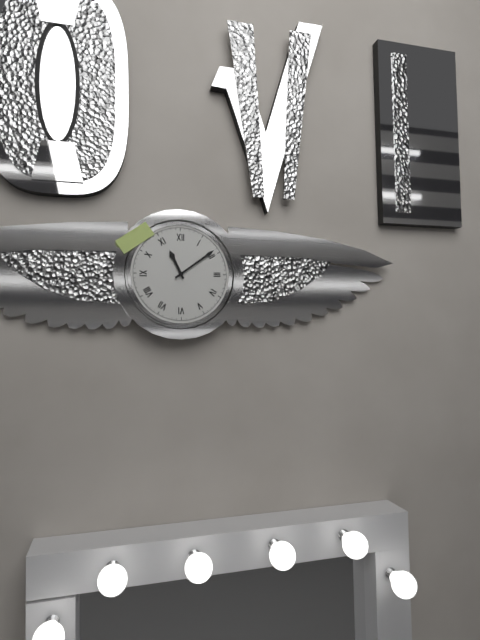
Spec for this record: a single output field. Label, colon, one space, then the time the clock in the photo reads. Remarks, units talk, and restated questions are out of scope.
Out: 11:09
